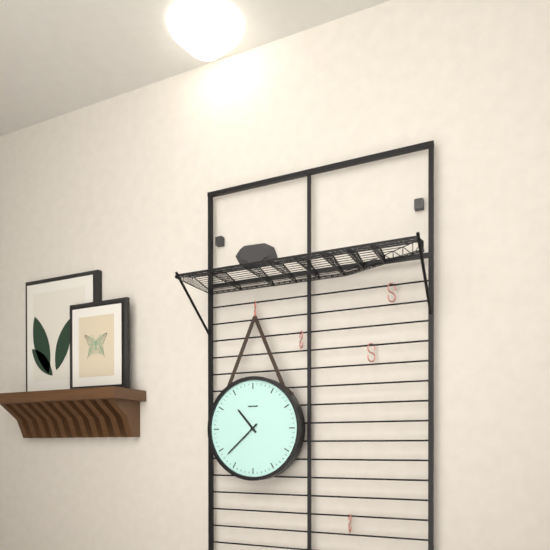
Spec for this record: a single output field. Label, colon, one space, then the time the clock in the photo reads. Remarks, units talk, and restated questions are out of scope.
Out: 10:38
